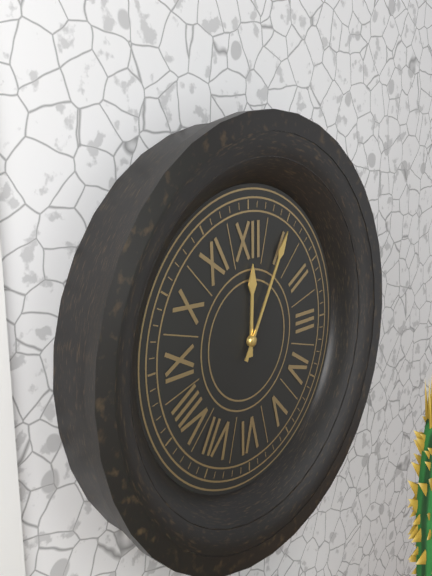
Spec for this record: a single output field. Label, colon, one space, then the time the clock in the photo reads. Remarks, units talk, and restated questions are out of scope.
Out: 12:05
